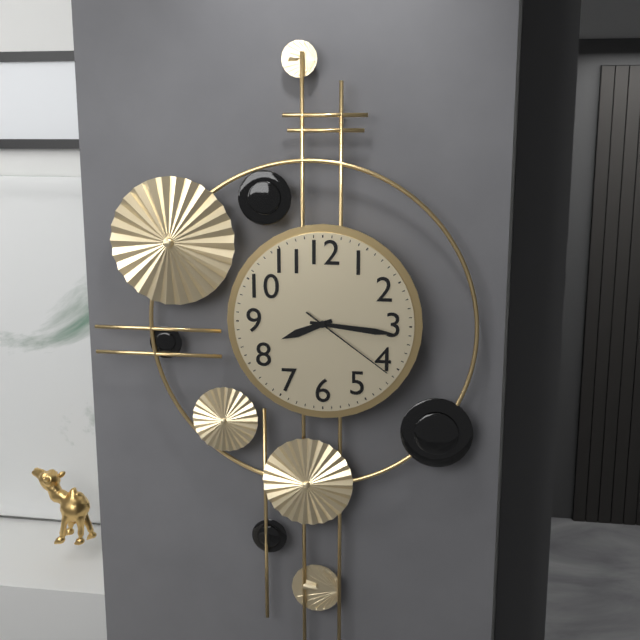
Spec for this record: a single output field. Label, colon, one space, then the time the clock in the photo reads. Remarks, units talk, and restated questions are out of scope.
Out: 8:16:21
